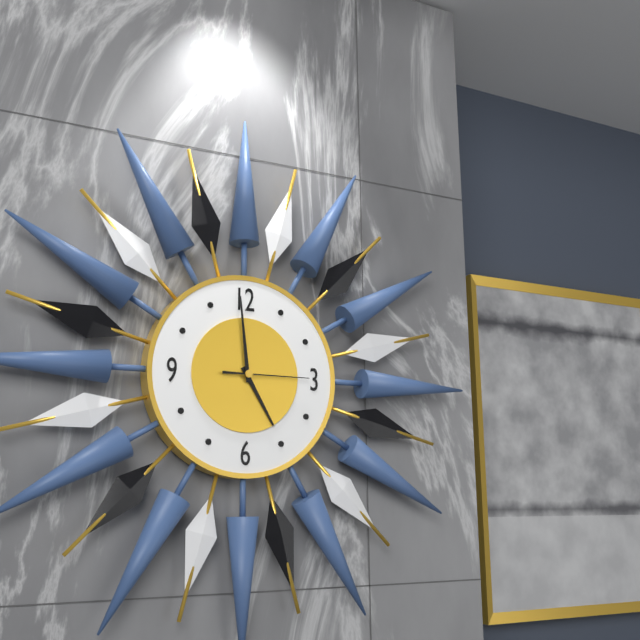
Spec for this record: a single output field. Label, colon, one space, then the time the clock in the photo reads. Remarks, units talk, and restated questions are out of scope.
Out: 4:59:15
